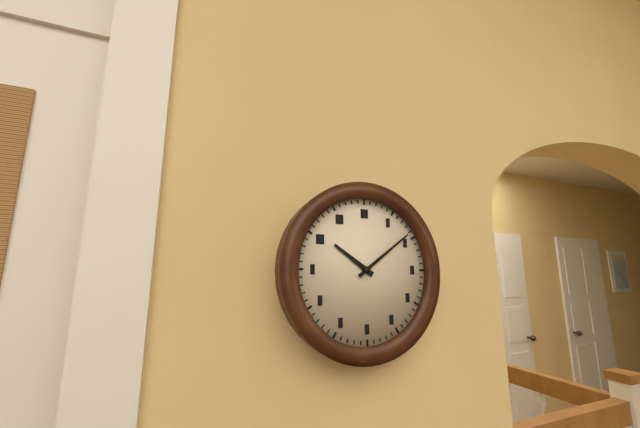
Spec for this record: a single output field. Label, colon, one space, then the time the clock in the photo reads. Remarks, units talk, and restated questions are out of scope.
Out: 10:09
